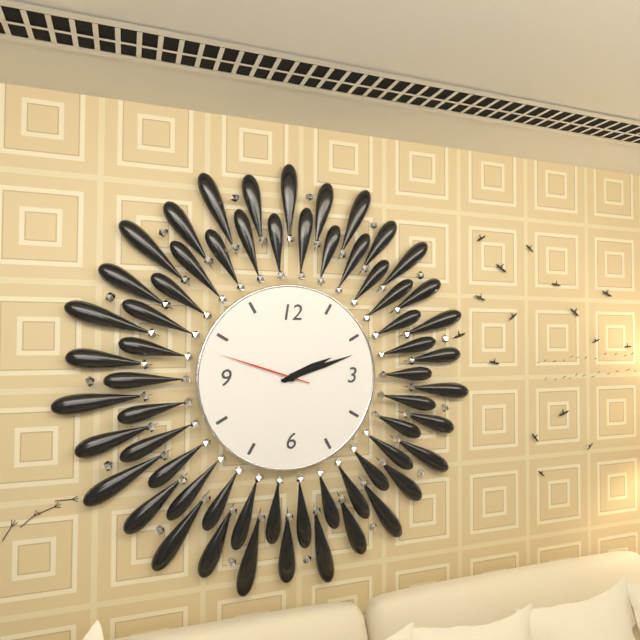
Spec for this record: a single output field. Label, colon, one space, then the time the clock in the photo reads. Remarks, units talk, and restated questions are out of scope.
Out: 2:12:48
